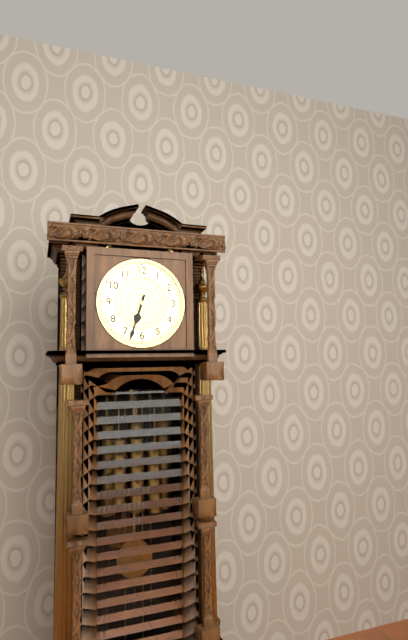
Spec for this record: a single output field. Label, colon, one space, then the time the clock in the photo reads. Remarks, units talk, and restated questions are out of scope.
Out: 6:33
